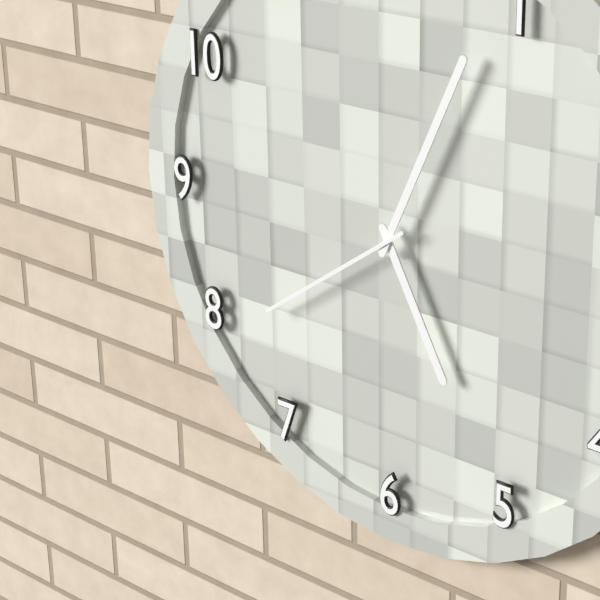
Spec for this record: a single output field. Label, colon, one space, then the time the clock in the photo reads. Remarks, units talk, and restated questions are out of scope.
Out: 5:04:39
